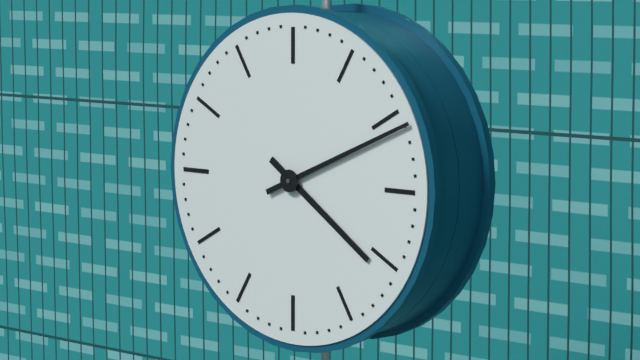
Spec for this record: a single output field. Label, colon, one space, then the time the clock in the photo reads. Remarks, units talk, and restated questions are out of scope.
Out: 4:11
